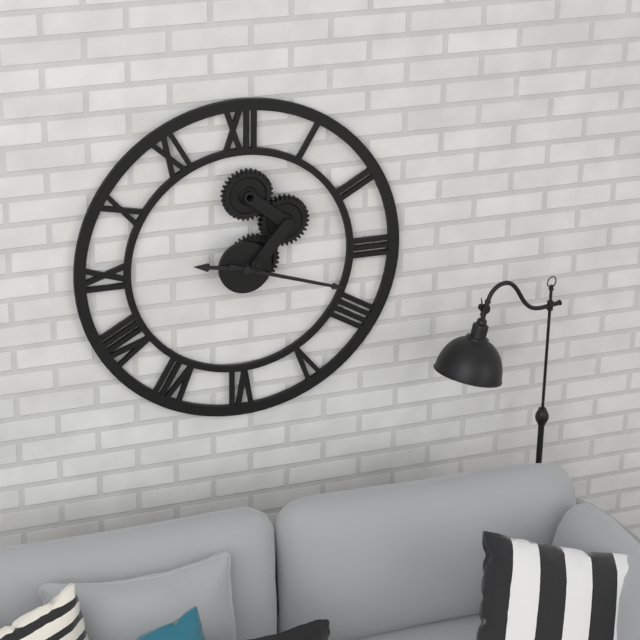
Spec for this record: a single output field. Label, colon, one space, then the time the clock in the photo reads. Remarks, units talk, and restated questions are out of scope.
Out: 9:18
